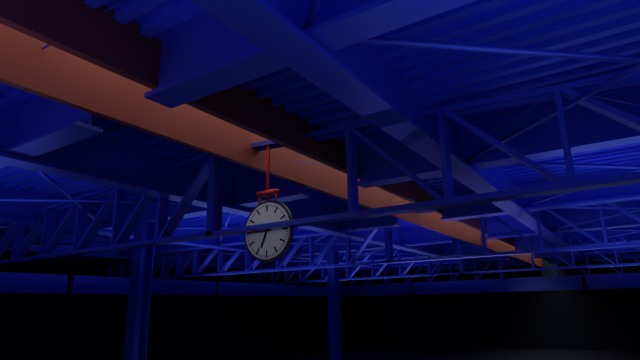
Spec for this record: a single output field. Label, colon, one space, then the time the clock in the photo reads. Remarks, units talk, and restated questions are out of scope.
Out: 6:45
